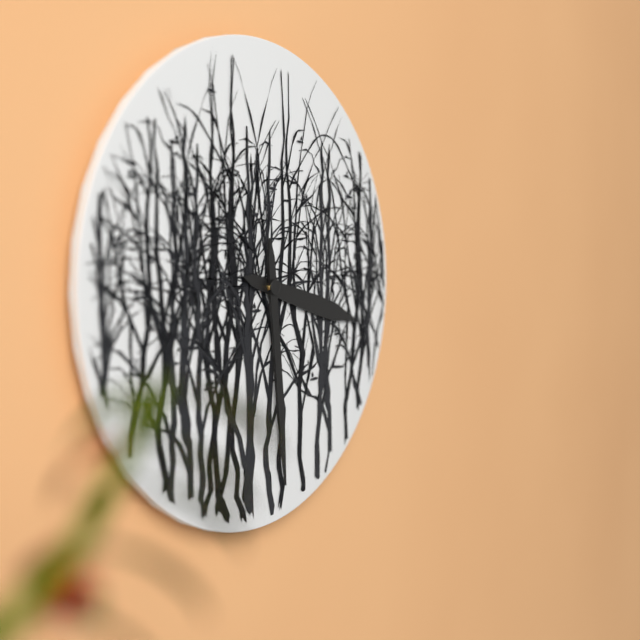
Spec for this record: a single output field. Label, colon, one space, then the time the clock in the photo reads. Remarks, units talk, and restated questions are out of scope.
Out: 3:29
